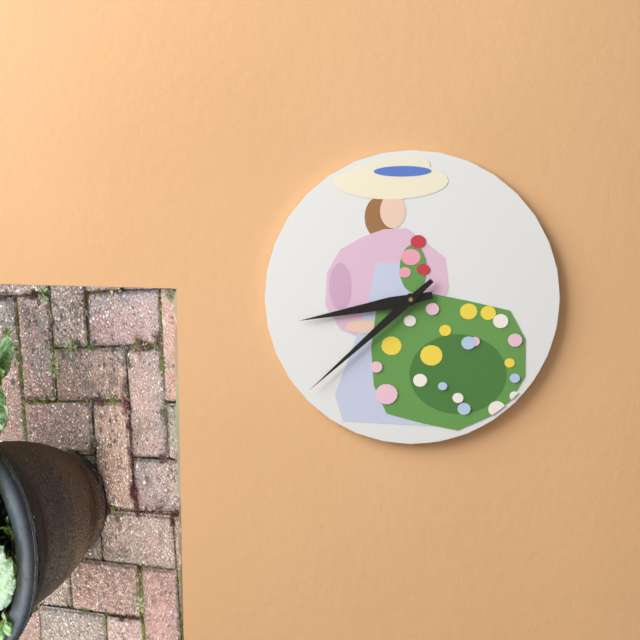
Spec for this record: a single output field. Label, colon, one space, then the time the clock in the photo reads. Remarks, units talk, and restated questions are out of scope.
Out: 8:38
